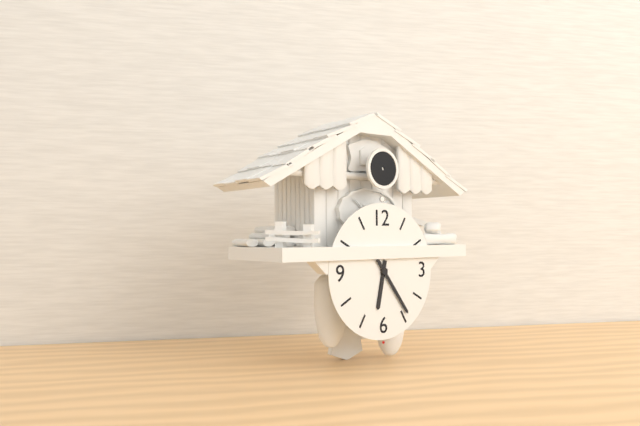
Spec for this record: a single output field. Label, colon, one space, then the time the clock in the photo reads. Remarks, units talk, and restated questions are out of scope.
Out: 6:24
